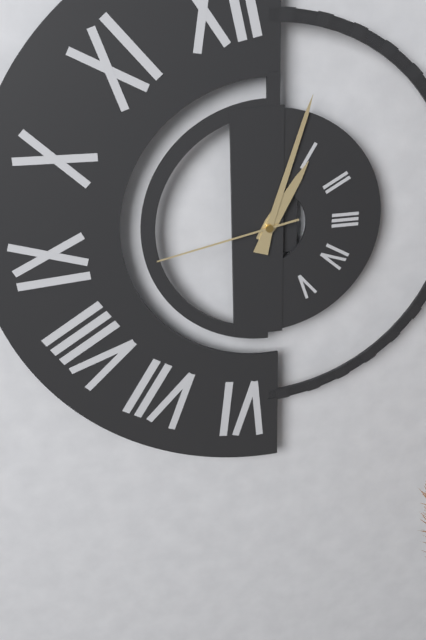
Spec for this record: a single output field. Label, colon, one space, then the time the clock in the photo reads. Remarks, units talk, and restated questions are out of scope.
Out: 1:03:43
